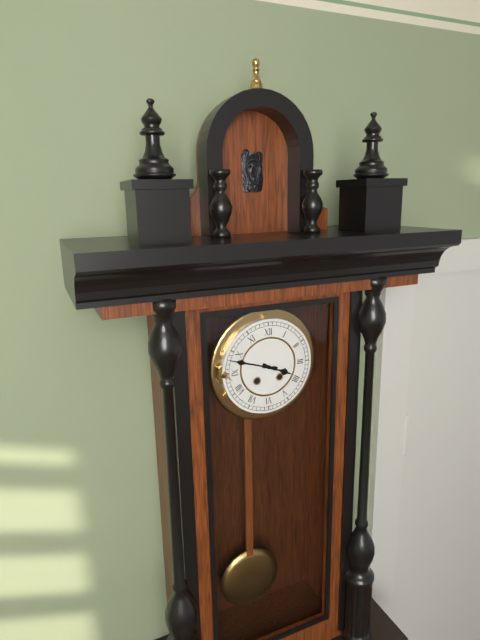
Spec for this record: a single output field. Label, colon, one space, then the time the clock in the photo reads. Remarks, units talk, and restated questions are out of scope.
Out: 3:48
